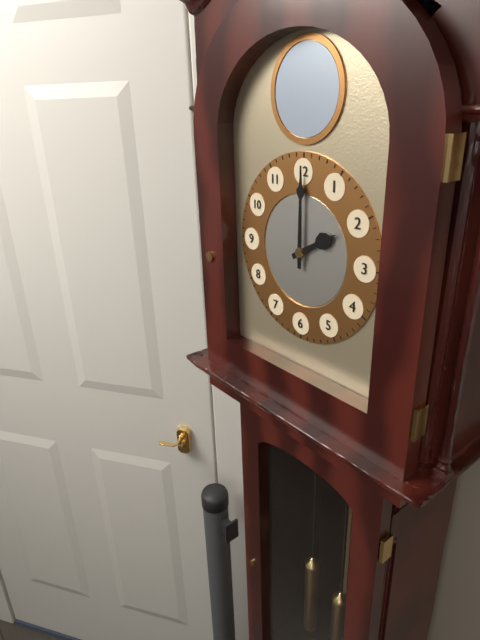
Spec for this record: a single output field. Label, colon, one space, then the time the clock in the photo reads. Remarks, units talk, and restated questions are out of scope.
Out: 2:00
